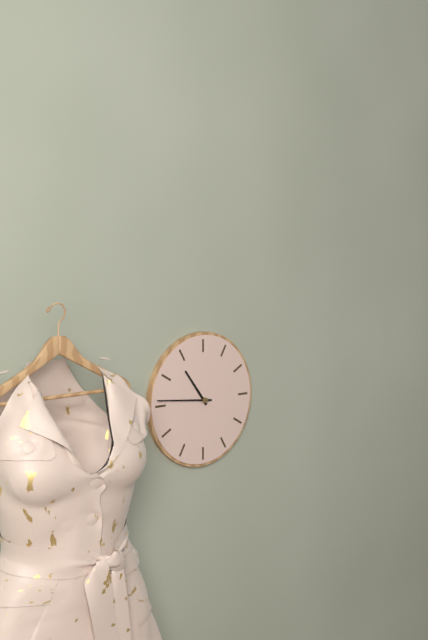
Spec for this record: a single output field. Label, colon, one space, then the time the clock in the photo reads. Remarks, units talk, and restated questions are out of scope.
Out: 10:46
